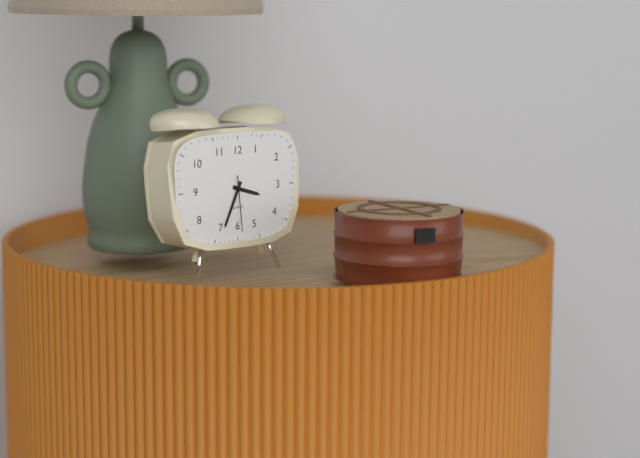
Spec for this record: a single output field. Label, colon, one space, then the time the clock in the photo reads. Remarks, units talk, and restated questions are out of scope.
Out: 3:34:29
